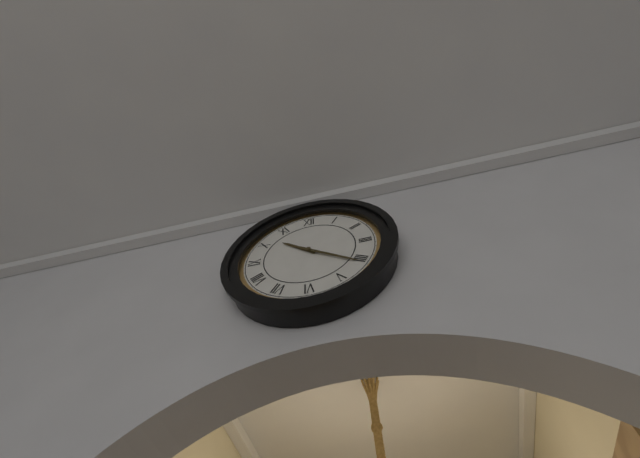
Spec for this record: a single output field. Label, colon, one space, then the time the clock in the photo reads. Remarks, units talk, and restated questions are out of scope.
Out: 10:21
